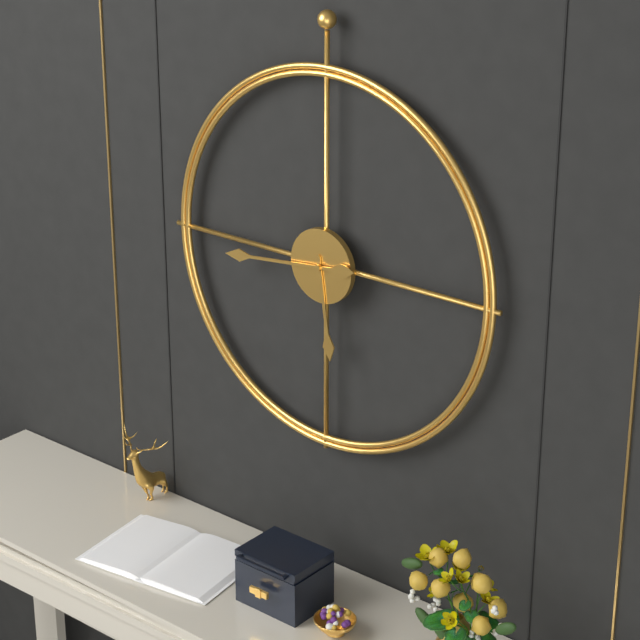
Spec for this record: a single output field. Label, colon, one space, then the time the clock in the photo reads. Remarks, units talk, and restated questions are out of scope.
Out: 5:44
